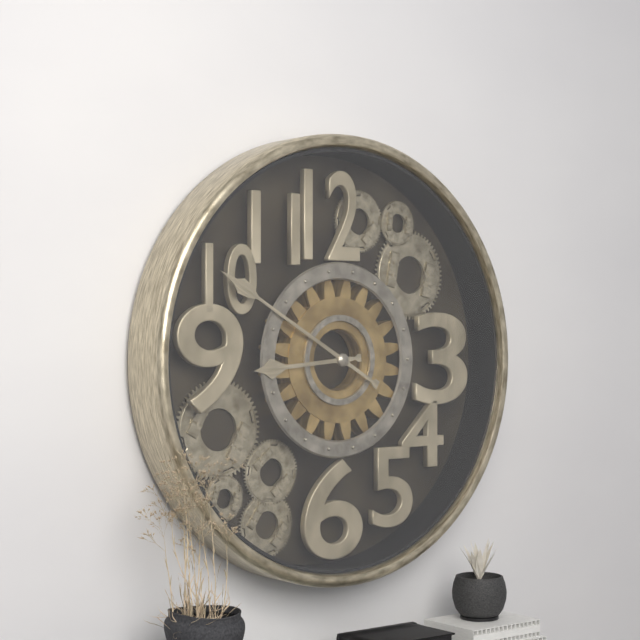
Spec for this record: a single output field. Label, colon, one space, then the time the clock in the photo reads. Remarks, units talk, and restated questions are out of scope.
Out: 8:50
